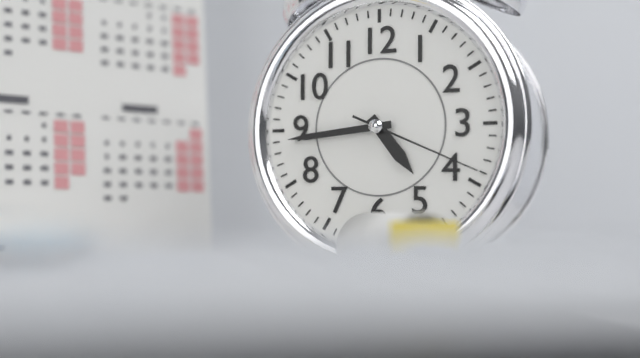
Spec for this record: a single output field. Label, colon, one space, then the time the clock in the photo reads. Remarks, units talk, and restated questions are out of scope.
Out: 4:44:19
